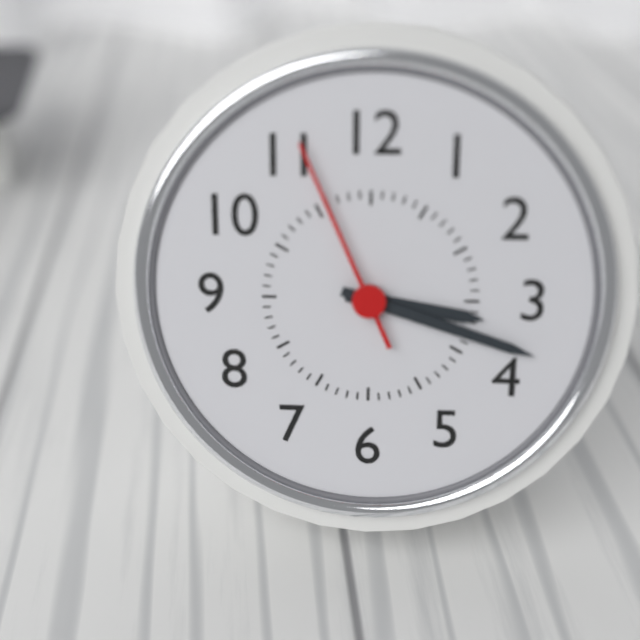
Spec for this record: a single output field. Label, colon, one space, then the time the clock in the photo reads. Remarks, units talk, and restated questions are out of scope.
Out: 3:18:56
